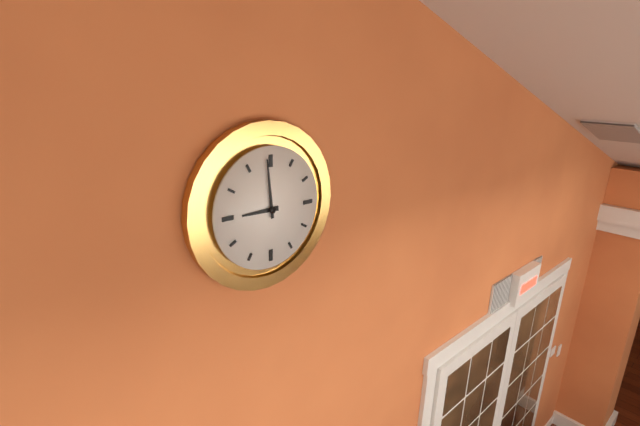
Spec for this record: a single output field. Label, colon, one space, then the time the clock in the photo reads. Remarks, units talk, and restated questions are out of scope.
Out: 8:59
